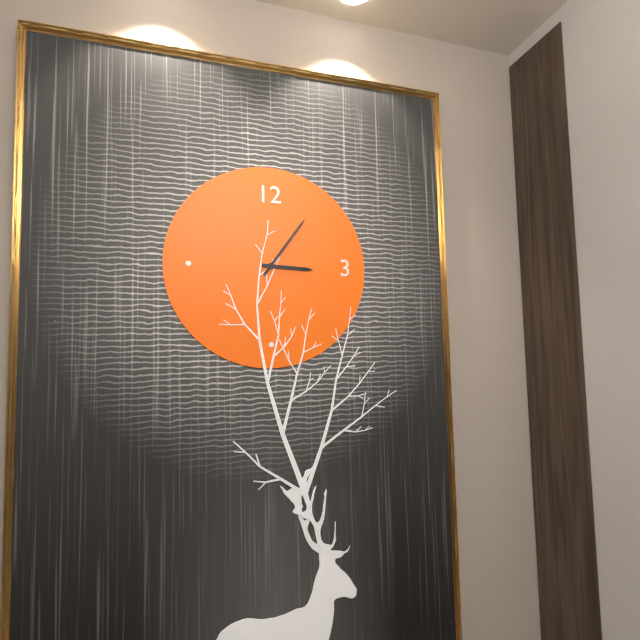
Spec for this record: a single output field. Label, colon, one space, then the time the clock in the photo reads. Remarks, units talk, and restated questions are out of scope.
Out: 3:06
